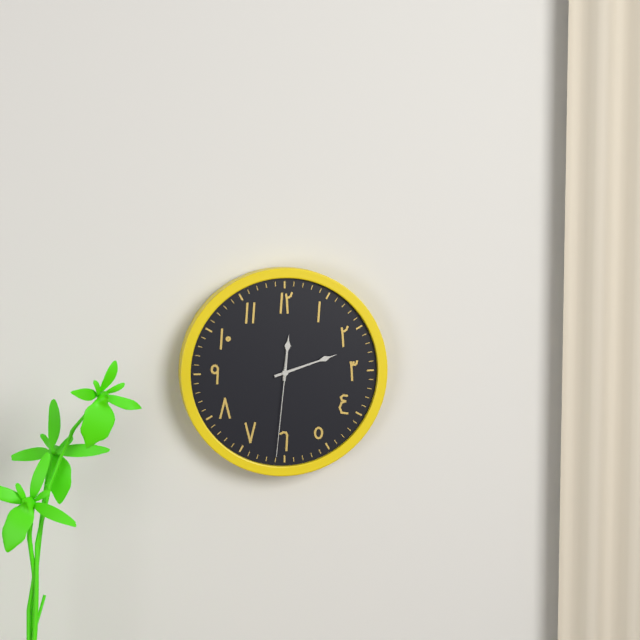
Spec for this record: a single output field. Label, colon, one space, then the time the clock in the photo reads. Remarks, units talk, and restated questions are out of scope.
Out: 12:12:31
